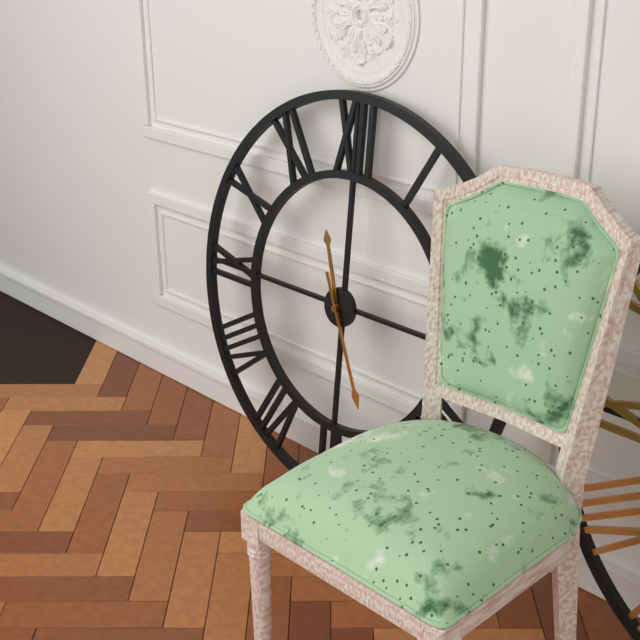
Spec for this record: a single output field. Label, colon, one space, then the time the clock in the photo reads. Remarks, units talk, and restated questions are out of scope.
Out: 11:26
